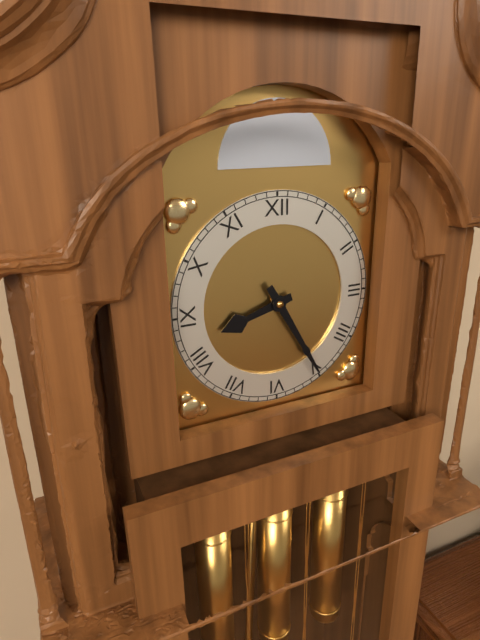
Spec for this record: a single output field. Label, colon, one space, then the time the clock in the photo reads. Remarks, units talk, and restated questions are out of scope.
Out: 8:25
